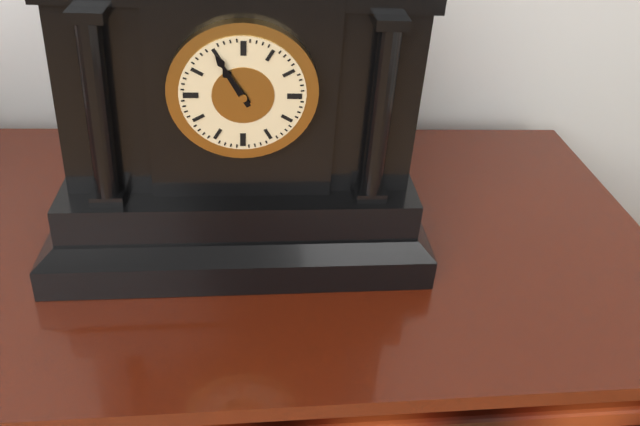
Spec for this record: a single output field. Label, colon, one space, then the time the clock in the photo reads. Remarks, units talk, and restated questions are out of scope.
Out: 10:55
